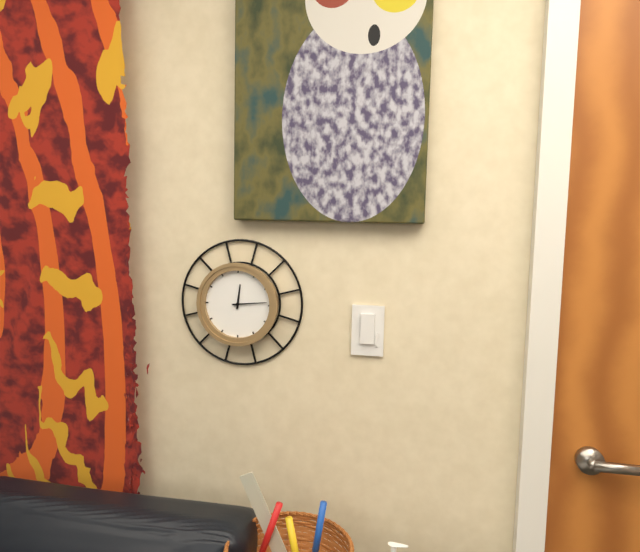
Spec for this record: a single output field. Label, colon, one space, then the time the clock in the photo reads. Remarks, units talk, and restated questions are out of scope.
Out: 12:14
